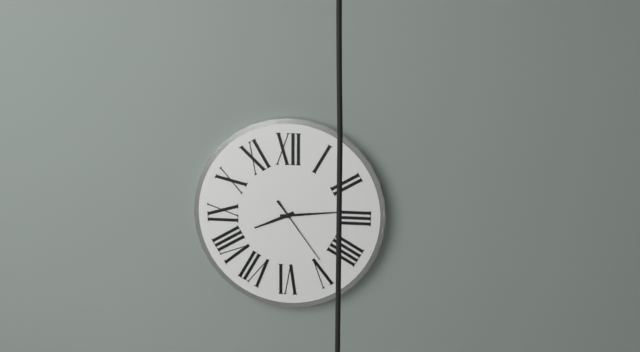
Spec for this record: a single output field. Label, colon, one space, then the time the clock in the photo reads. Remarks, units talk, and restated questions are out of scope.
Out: 8:14:24
